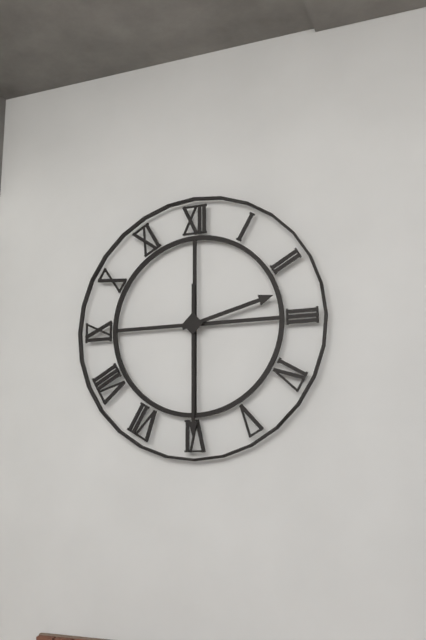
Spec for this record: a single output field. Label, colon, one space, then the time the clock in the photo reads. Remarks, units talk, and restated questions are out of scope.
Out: 2:30
